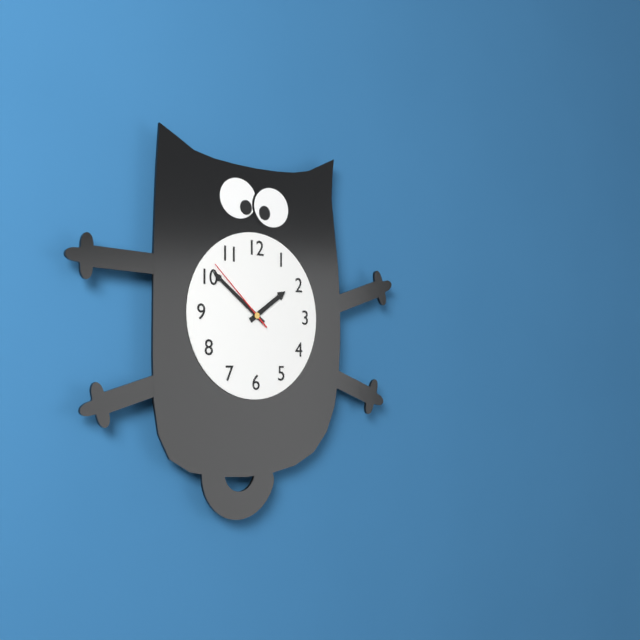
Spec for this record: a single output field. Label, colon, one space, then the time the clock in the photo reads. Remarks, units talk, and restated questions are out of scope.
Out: 1:51:52
